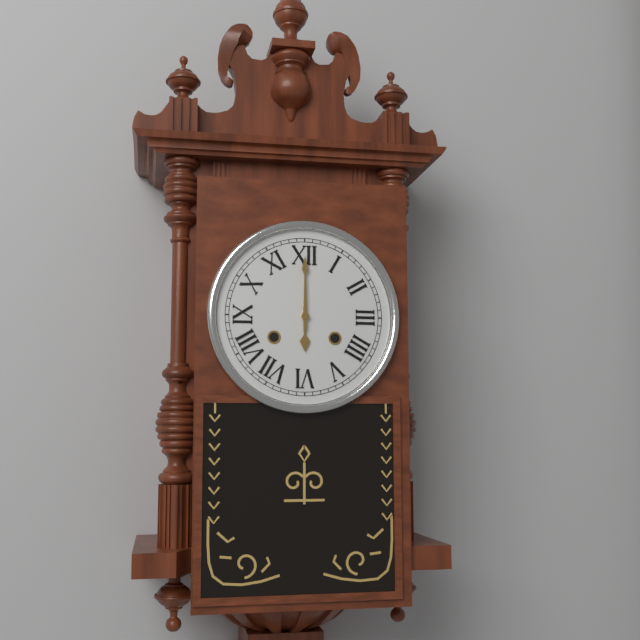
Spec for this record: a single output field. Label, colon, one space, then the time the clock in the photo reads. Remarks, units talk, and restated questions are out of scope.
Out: 6:00
